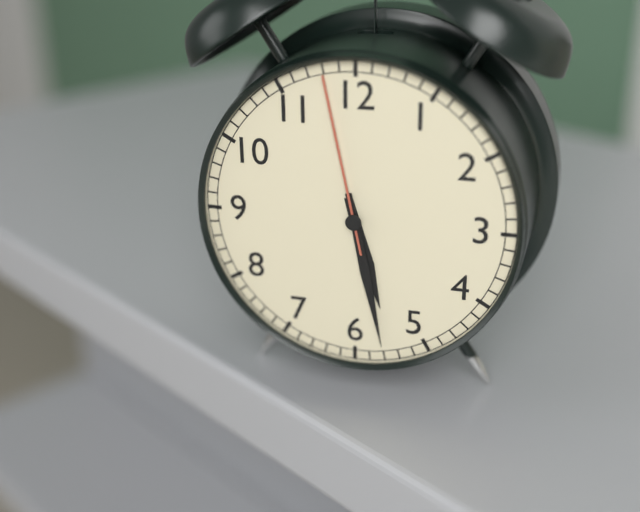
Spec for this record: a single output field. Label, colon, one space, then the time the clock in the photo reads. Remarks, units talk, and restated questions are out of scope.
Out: 5:28:58
